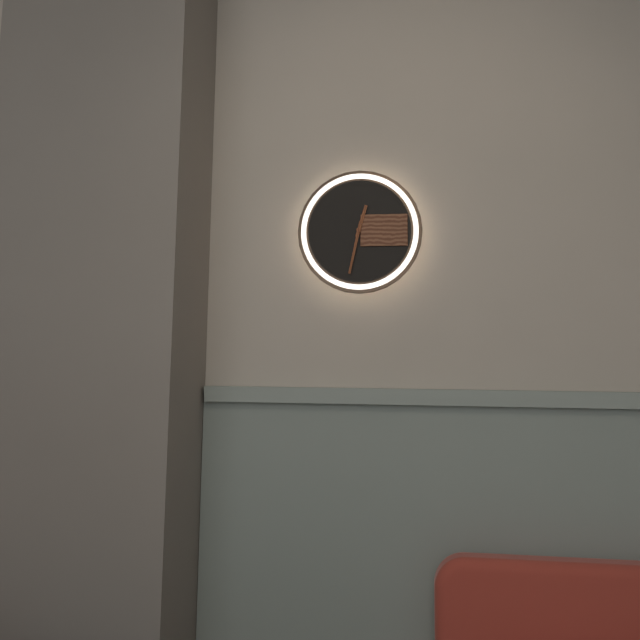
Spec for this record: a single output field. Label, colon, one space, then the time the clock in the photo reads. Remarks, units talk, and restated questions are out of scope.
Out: 12:32
